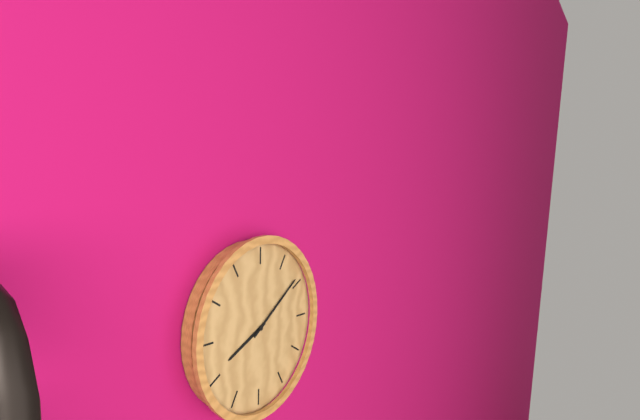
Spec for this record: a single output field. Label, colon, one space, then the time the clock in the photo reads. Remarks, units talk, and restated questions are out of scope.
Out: 8:09
